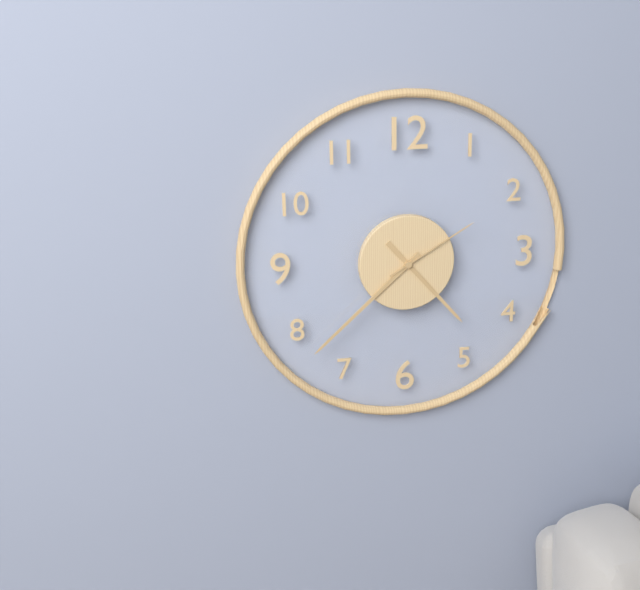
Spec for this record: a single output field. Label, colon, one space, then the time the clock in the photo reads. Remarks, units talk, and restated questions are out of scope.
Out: 4:38:10
